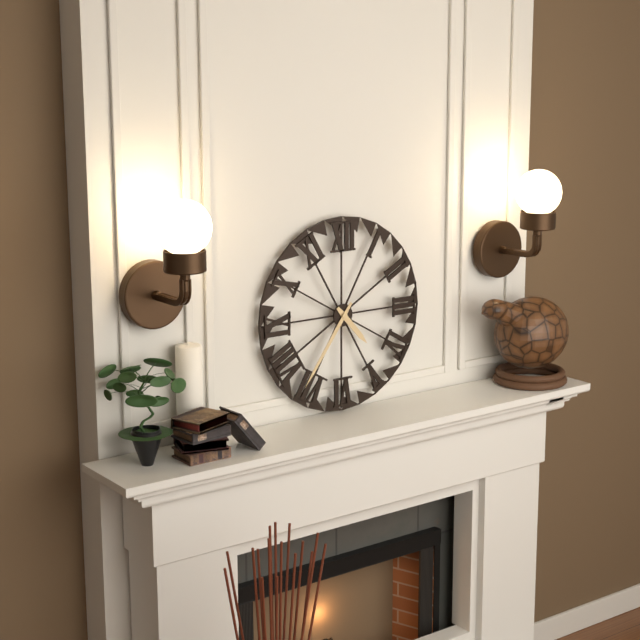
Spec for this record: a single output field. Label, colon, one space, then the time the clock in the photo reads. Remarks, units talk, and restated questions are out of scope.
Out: 4:36
